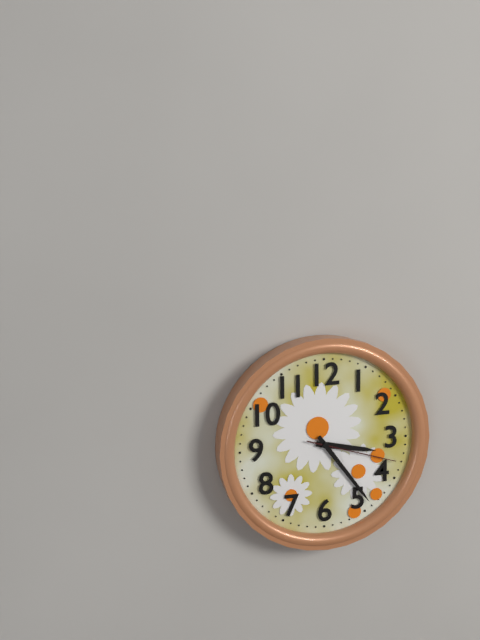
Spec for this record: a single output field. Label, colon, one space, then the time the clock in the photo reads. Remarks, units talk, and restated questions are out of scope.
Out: 3:24:18
